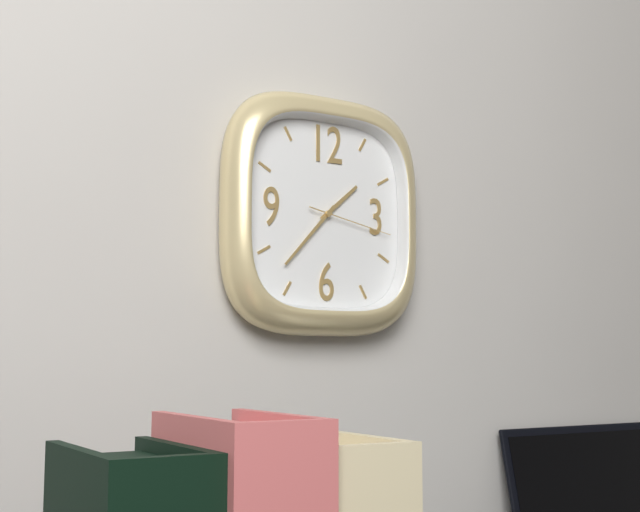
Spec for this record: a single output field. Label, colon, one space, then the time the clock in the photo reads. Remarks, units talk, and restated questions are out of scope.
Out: 1:37:17
